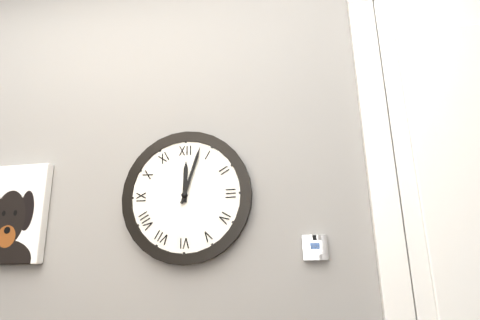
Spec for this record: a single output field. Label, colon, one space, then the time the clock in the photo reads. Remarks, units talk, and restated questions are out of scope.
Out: 12:03
